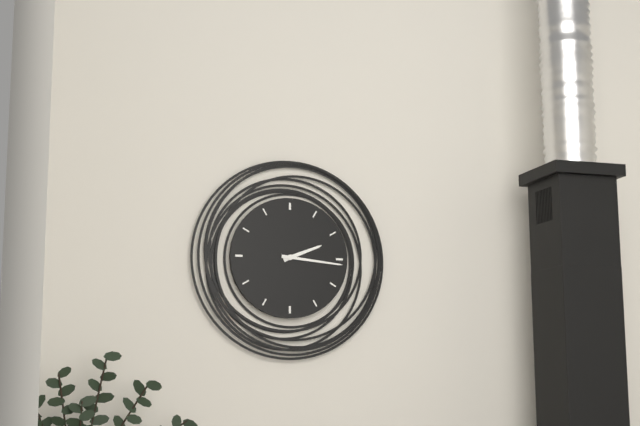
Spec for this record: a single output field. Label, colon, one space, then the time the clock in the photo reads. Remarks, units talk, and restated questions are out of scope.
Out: 2:16
